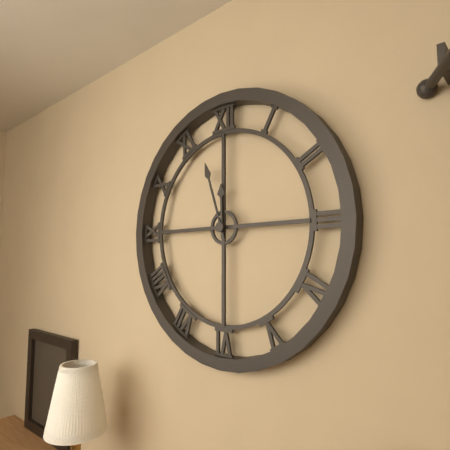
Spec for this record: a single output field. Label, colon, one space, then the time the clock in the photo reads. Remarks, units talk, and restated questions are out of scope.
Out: 11:57
